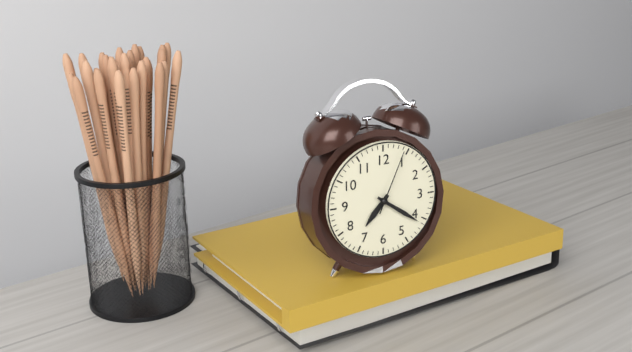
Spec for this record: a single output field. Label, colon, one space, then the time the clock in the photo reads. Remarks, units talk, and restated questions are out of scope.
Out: 7:21:04
